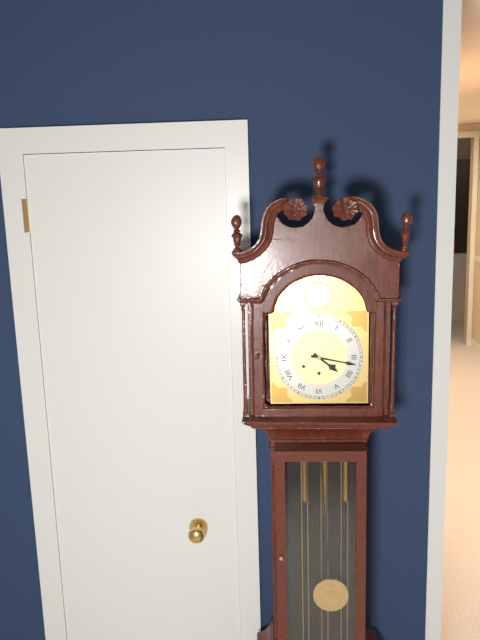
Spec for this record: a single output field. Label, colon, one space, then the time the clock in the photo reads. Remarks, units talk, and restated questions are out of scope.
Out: 4:17
